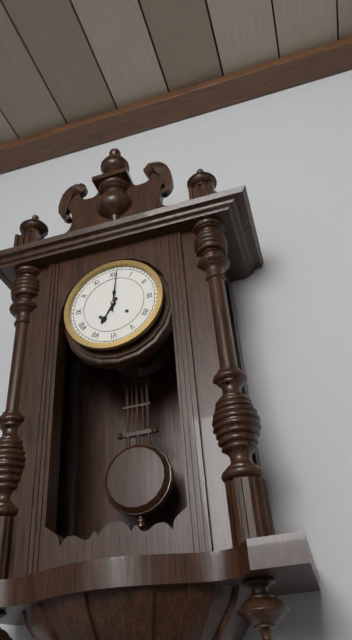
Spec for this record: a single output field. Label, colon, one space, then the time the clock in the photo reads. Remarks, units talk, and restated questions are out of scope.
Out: 7:01
